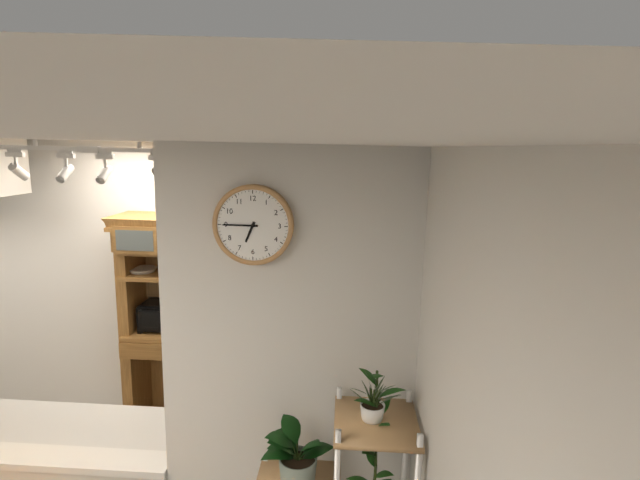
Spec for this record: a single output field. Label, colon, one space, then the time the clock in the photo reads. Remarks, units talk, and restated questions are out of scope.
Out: 6:45
